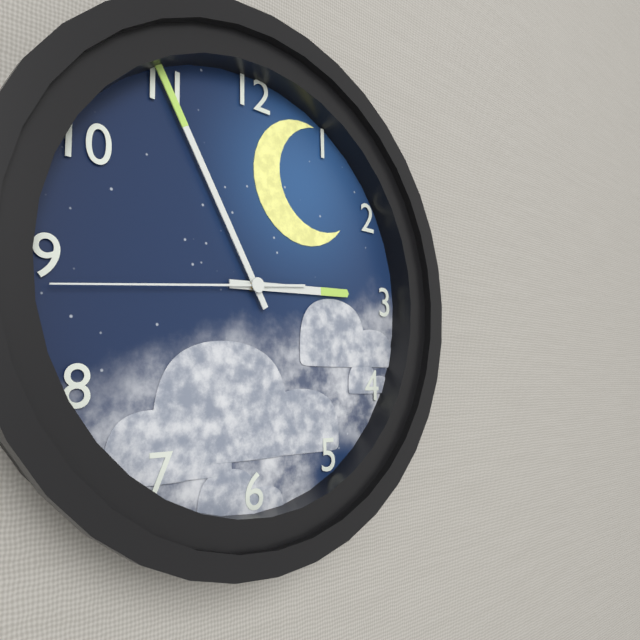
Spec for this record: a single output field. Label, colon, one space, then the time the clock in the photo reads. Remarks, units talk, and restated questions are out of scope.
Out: 2:55:44
